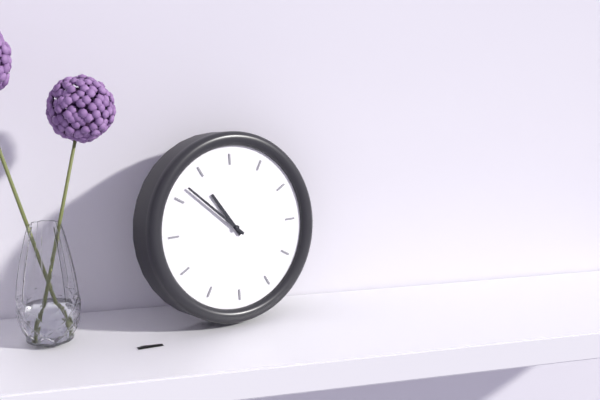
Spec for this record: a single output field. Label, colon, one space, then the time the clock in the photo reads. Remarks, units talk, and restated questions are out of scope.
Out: 10:52
